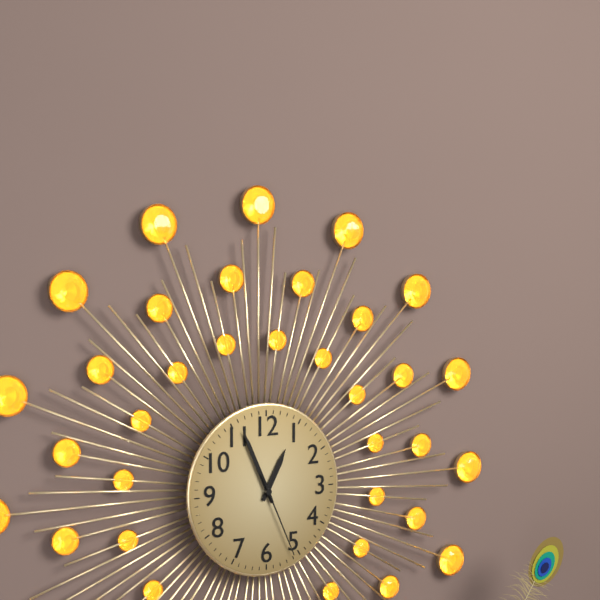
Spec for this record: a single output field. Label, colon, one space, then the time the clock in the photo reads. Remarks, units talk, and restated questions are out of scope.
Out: 12:56:26
